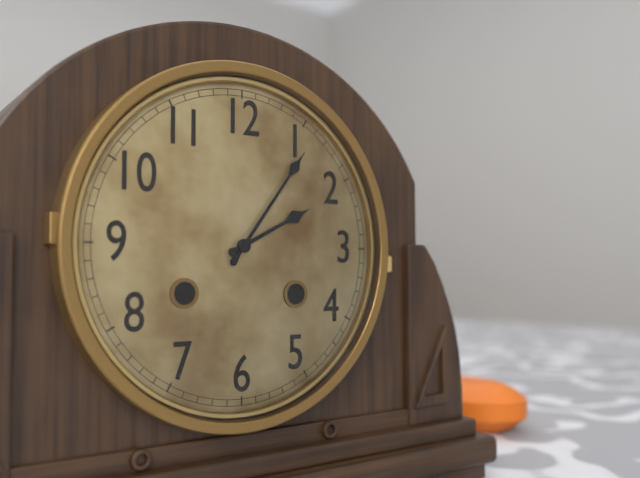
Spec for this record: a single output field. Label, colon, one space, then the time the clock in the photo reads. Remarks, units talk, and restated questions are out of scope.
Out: 2:06
